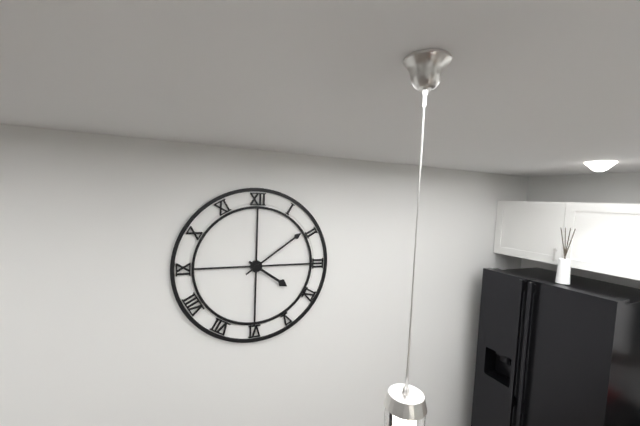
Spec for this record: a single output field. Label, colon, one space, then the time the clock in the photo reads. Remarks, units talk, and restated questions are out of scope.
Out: 4:09
